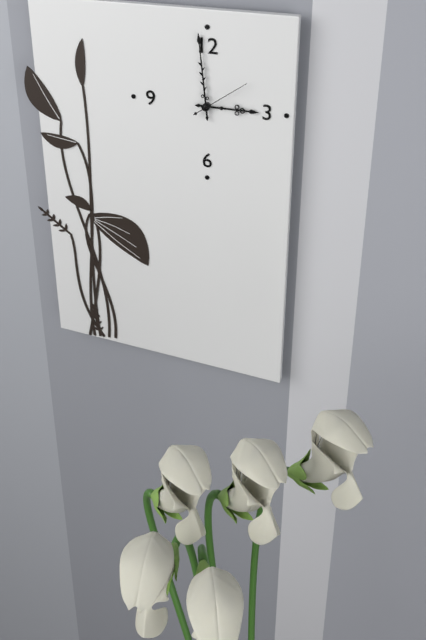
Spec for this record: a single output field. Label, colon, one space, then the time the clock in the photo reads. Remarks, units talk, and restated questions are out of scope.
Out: 2:59:09
